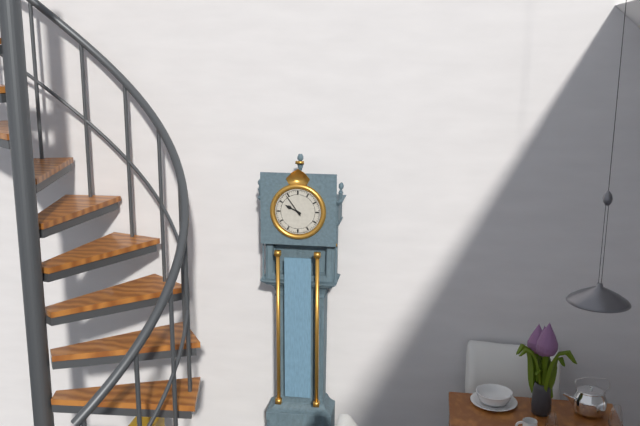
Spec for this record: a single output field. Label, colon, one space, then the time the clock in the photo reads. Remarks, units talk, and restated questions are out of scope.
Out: 9:54
